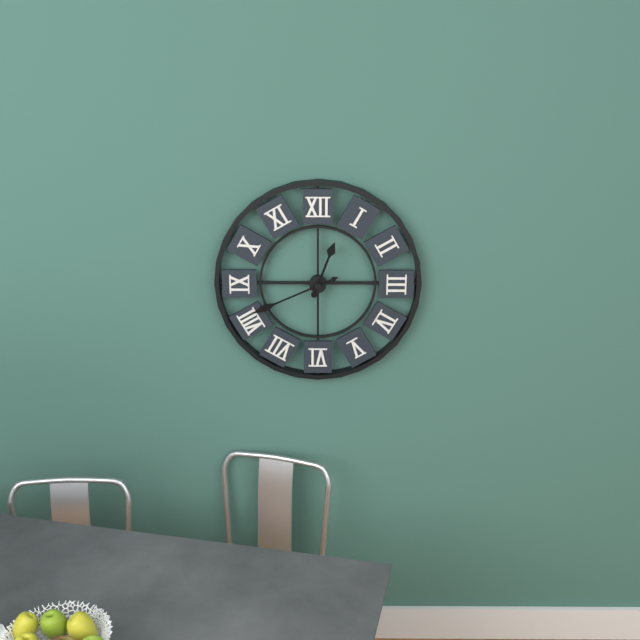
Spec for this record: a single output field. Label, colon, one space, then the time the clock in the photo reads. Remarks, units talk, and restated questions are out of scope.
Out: 12:41
